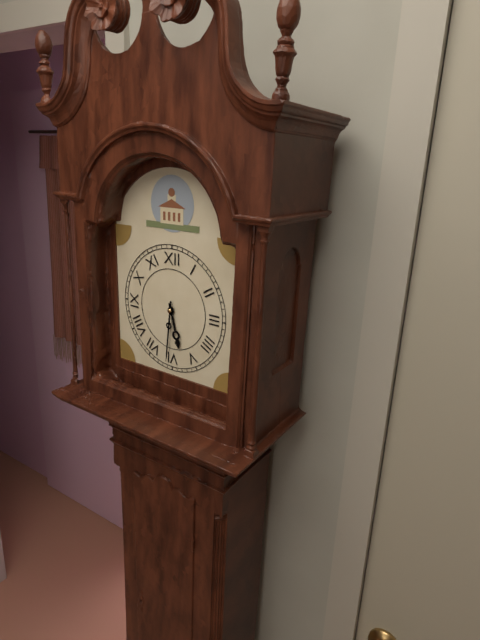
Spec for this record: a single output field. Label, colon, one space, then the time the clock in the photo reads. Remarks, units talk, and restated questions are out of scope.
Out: 5:31
